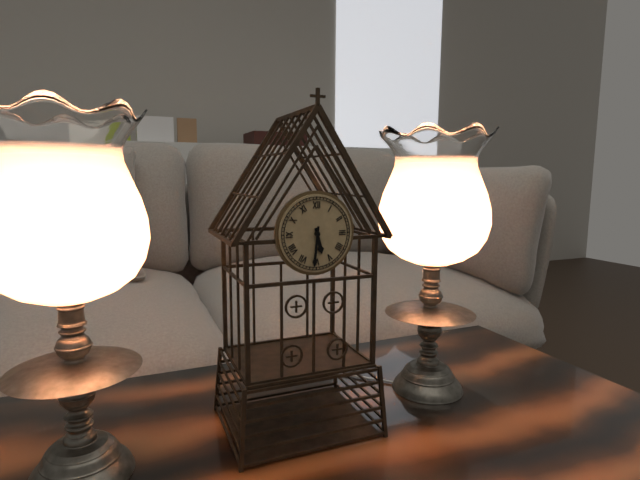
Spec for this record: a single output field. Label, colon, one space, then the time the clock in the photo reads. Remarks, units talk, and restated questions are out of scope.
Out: 5:31
